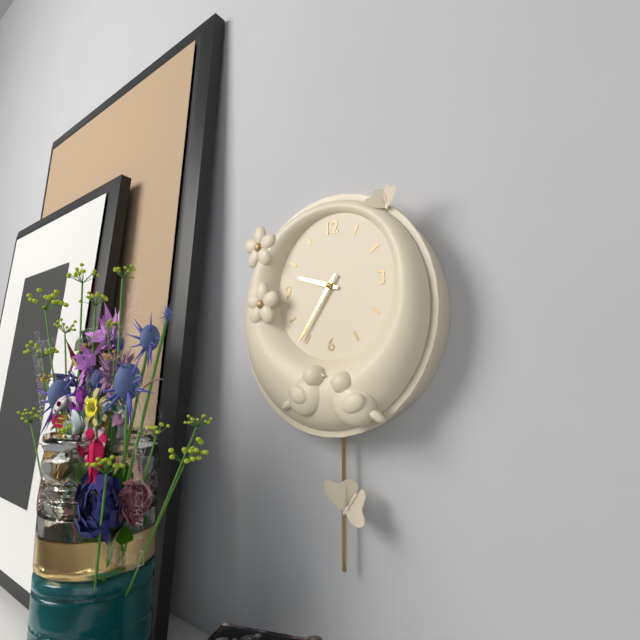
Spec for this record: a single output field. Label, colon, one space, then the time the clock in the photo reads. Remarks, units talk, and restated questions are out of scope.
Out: 9:36
